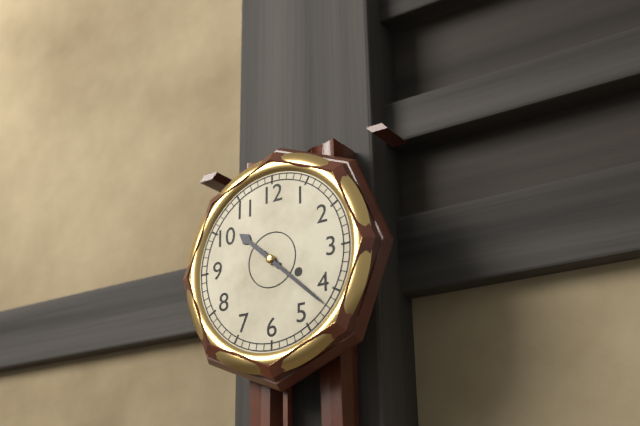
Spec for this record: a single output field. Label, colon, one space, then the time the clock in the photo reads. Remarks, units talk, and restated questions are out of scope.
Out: 10:22
